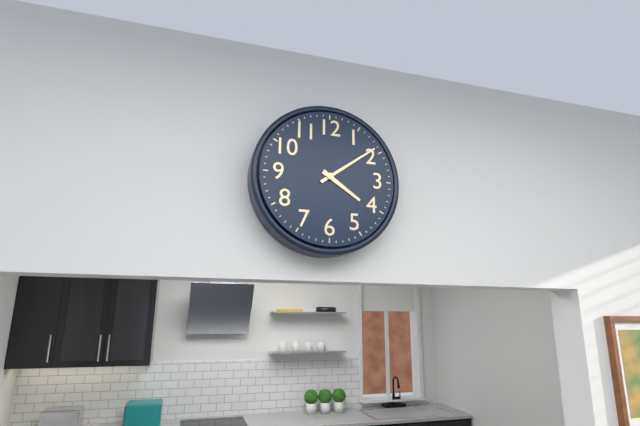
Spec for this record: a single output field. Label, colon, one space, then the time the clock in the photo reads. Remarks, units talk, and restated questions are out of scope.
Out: 4:09
